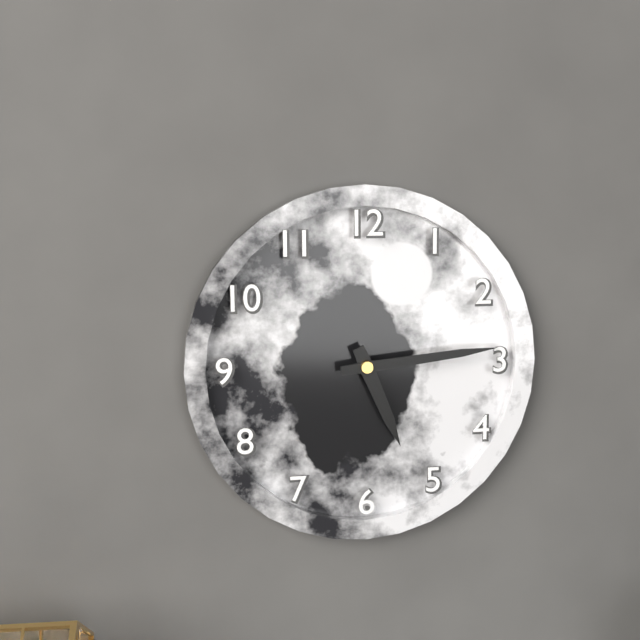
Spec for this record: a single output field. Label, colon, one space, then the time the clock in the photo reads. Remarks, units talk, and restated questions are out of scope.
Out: 5:14
